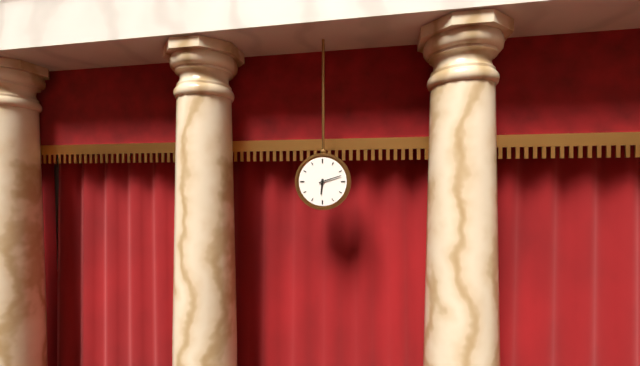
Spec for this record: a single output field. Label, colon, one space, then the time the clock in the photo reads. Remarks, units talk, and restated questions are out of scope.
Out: 6:12
